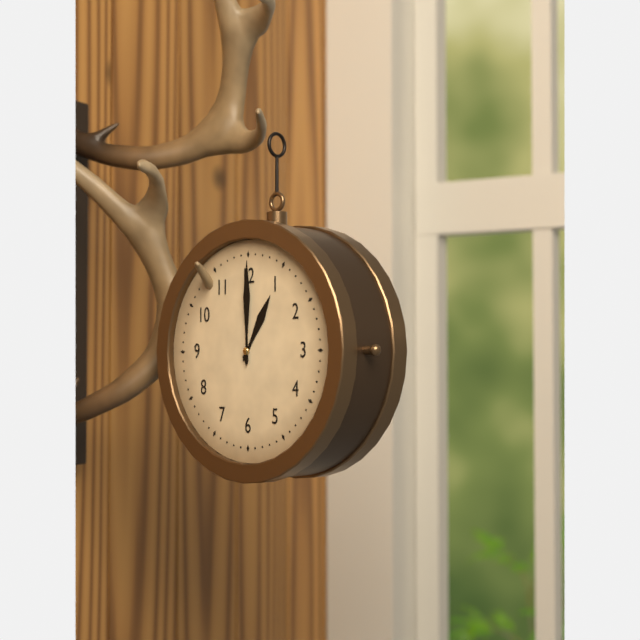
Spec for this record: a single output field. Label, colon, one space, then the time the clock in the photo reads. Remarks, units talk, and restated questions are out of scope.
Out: 1:00
